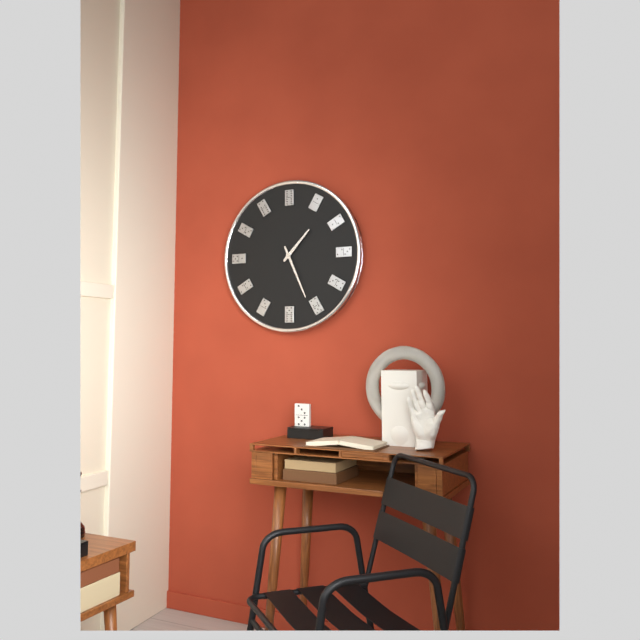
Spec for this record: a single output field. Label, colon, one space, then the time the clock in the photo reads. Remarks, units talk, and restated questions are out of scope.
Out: 1:26
